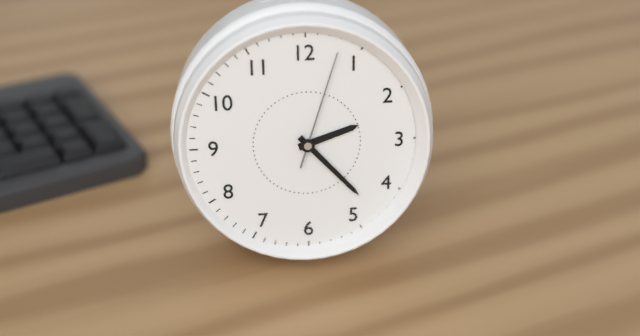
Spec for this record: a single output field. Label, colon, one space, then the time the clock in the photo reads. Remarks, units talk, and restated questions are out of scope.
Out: 2:23:03
